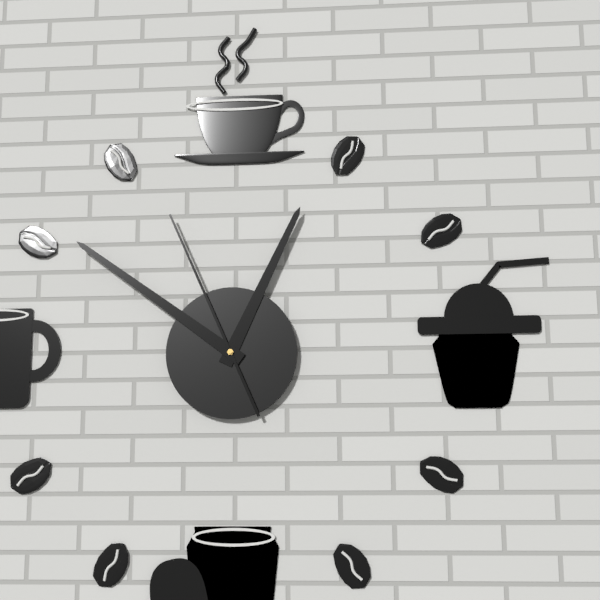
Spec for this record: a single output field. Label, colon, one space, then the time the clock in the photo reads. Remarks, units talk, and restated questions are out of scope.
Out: 12:51:56
